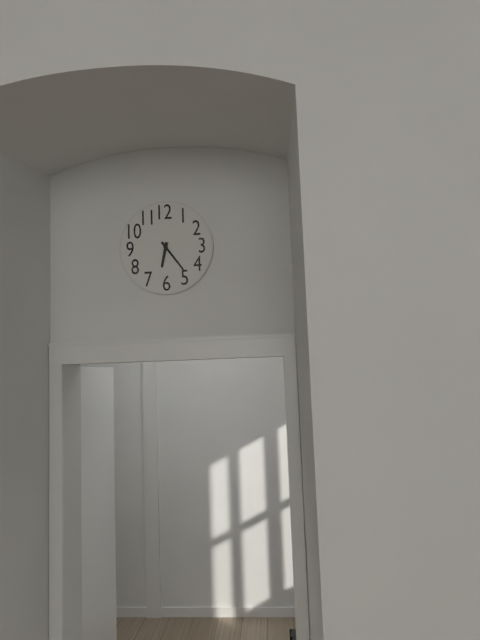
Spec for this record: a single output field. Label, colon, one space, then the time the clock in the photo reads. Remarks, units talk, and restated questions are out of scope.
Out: 6:24
